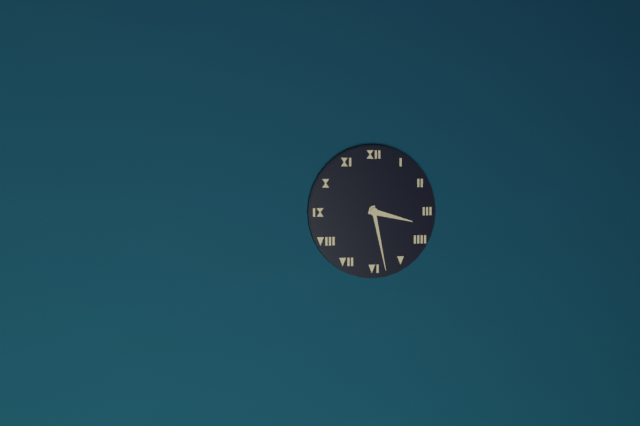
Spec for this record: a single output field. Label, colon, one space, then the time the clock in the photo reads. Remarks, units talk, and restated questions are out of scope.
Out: 3:28
